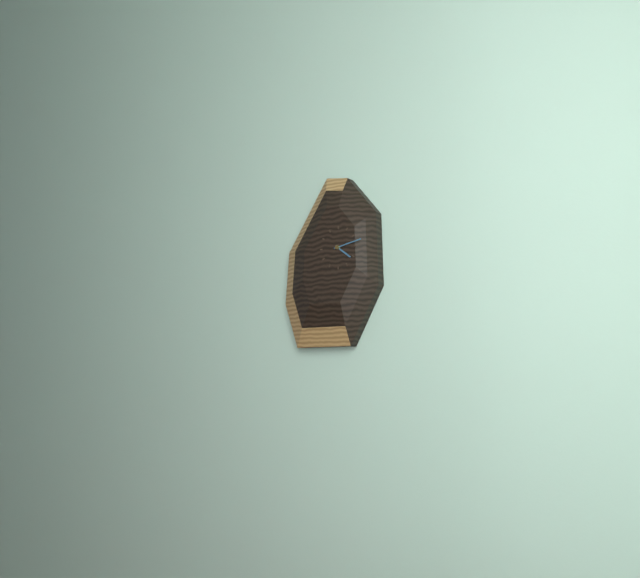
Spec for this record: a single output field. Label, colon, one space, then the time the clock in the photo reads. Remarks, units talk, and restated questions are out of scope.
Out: 4:13
